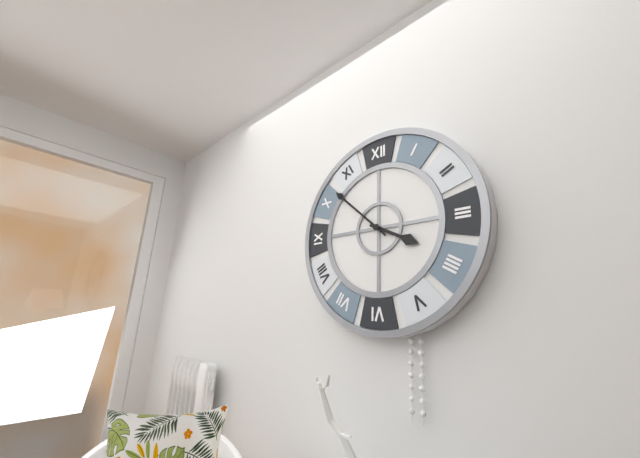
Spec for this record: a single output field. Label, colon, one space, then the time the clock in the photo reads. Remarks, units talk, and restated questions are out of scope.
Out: 3:52
